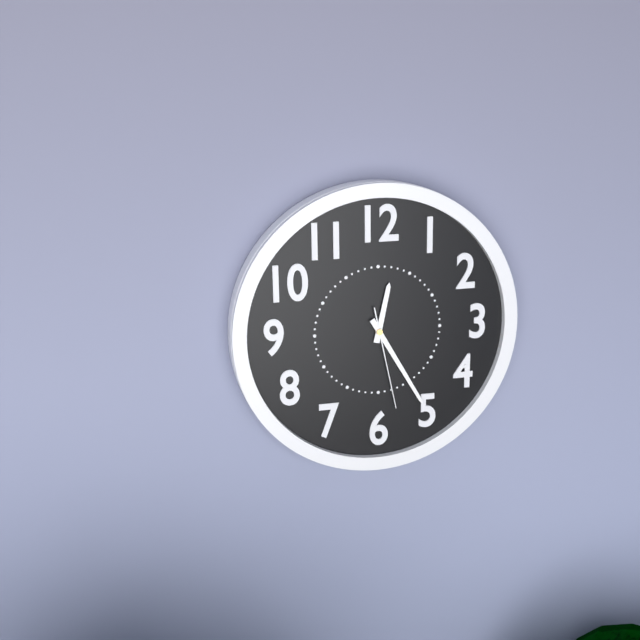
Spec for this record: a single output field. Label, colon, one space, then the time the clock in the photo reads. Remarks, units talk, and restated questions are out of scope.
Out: 12:25:28
